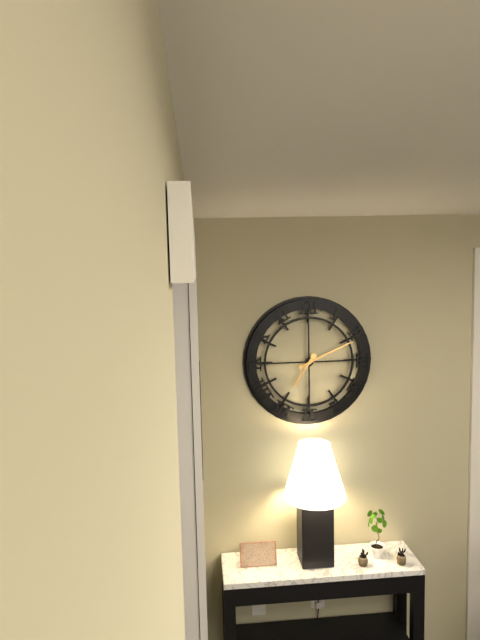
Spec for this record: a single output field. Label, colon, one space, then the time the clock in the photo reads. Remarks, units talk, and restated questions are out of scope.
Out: 7:11
